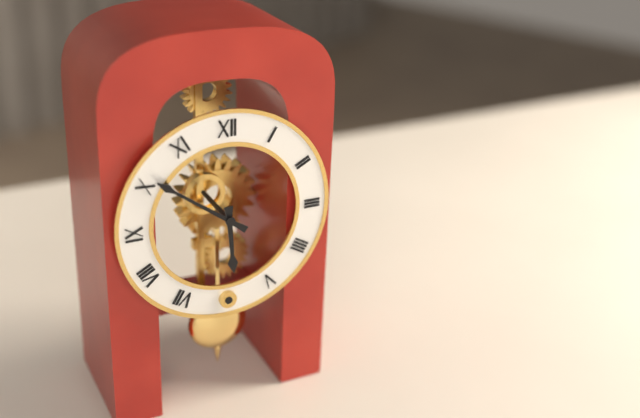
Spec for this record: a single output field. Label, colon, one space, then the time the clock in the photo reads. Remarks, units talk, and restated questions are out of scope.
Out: 5:51
